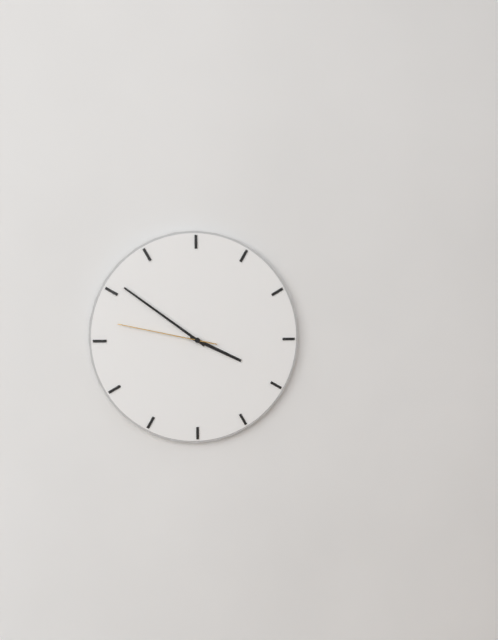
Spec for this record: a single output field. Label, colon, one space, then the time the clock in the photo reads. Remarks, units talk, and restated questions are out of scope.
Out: 3:51:47
